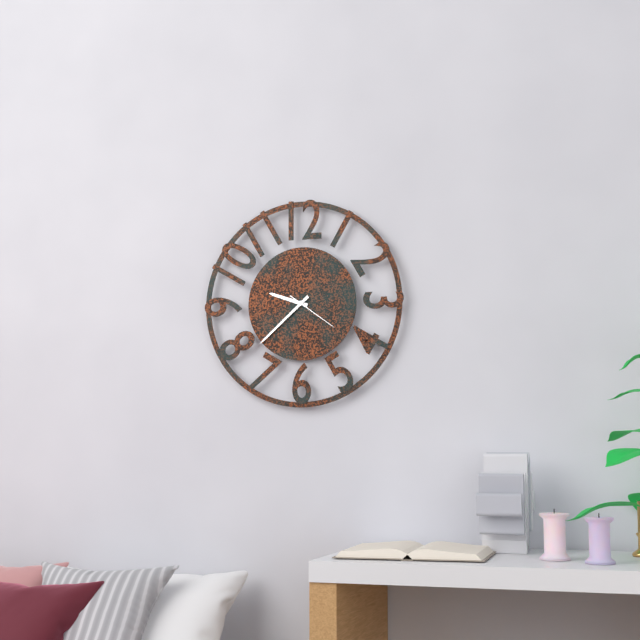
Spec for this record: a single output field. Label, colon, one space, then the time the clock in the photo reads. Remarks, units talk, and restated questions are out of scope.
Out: 9:38
